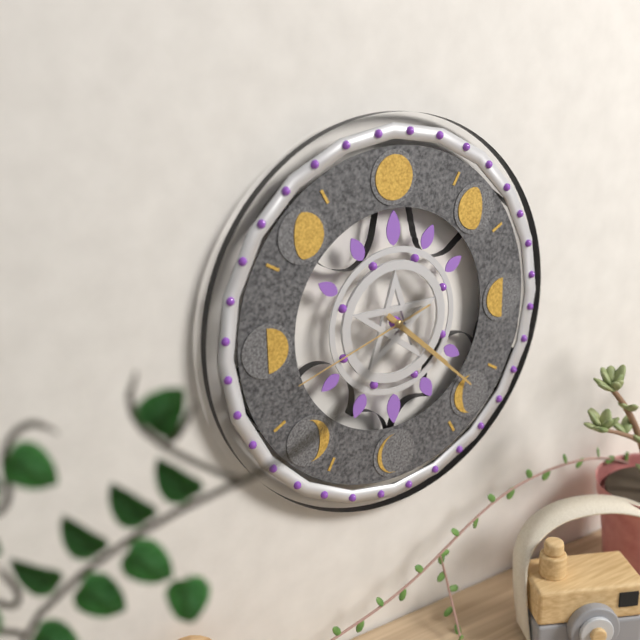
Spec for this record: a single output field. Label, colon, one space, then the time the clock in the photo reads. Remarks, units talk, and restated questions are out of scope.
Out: 4:22:42
